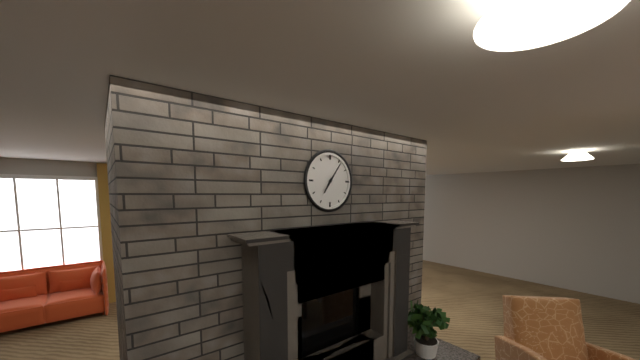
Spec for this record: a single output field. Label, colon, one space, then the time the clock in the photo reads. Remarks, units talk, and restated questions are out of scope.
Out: 7:06
